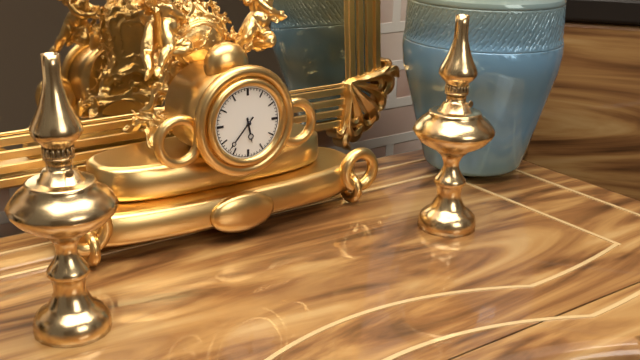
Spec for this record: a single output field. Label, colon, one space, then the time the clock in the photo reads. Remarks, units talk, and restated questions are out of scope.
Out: 5:37
